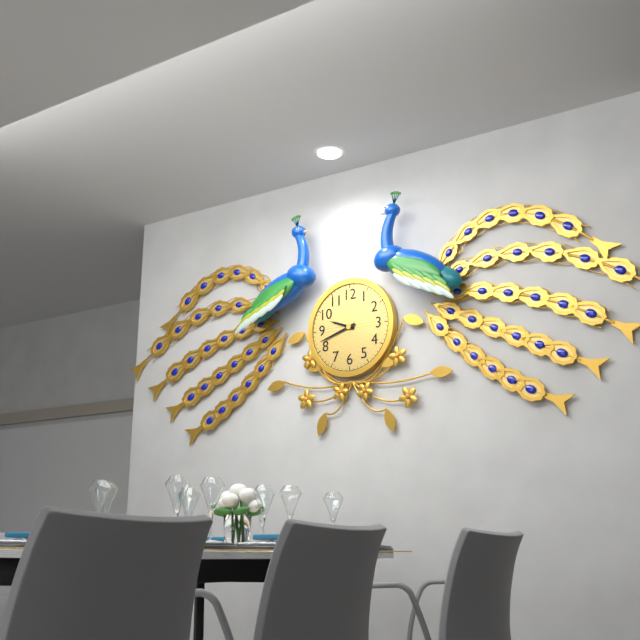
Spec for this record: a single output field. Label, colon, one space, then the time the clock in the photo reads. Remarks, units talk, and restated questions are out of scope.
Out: 9:42
